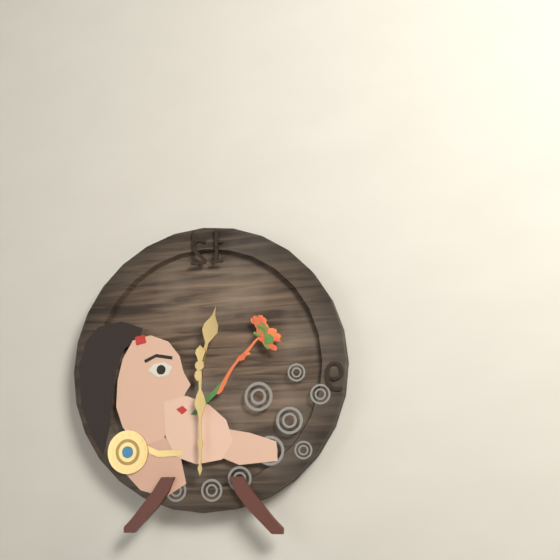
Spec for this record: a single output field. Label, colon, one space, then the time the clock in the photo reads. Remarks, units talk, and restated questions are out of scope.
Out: 12:30
